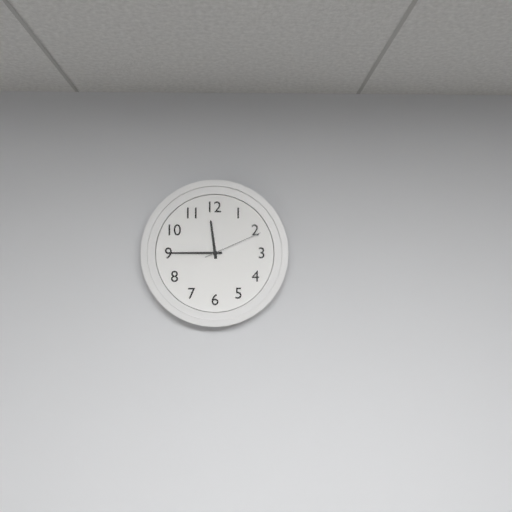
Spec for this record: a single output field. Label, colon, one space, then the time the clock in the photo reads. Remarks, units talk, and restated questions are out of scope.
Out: 11:45:11
